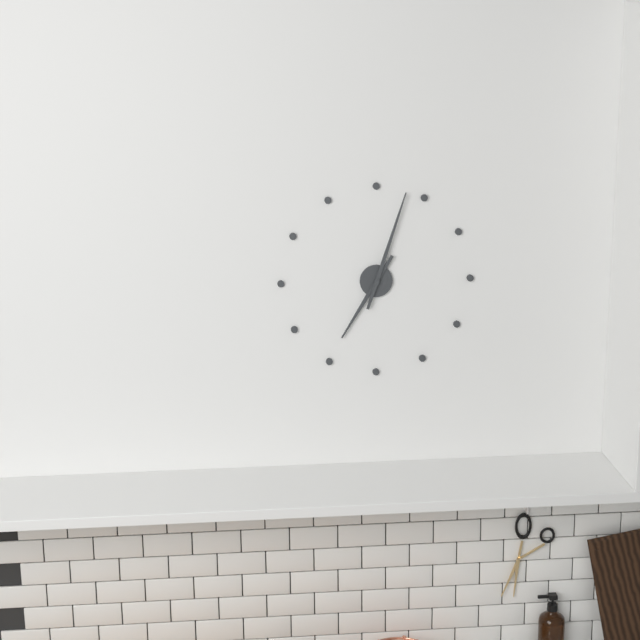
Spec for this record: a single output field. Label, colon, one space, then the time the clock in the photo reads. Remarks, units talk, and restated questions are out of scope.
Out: 7:03
